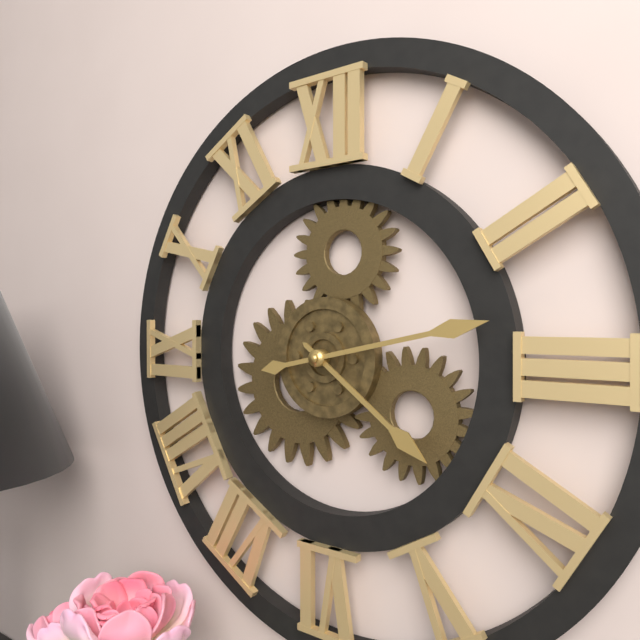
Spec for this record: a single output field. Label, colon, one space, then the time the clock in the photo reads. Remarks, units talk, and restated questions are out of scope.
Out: 4:13
